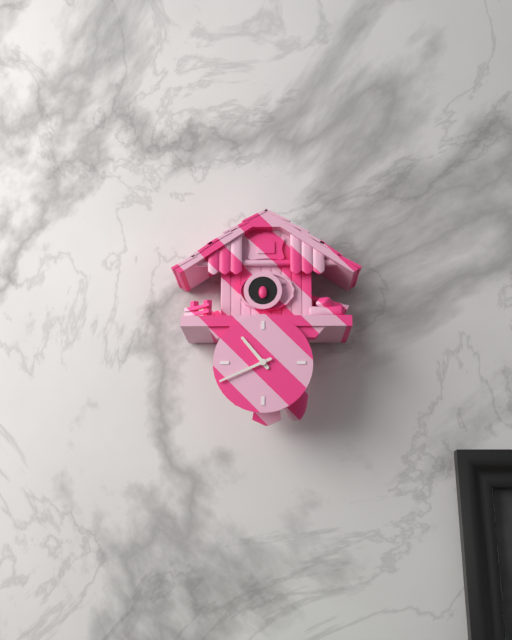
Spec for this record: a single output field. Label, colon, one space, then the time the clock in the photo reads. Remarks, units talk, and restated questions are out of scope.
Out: 10:41
